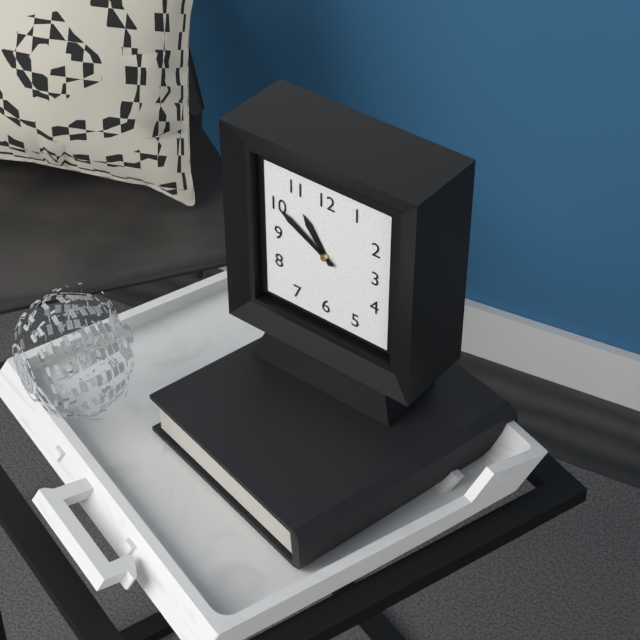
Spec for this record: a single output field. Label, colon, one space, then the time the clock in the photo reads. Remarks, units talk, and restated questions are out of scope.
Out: 10:50
